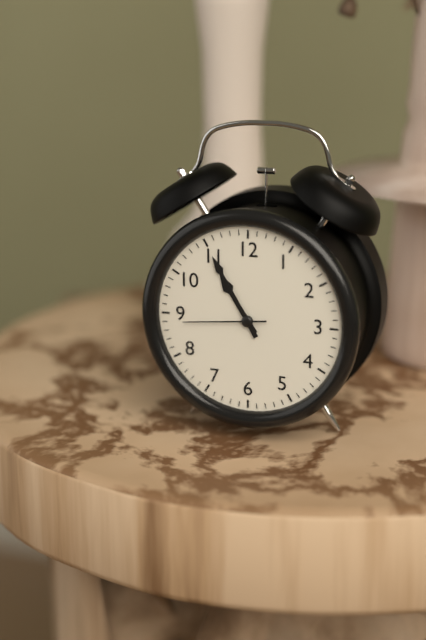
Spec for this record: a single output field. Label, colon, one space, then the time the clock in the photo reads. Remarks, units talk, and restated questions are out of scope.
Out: 10:55:44
